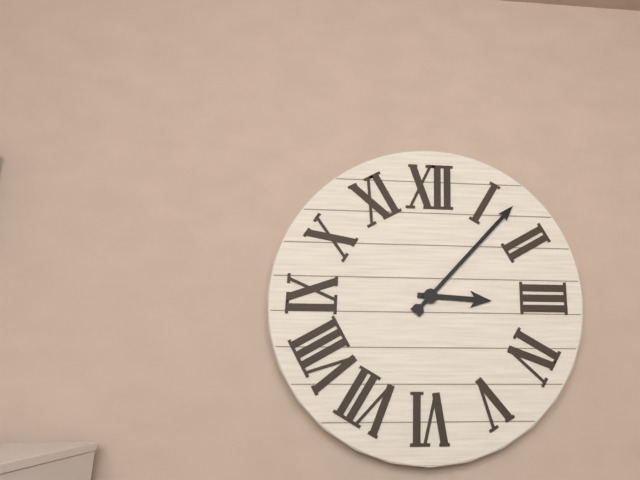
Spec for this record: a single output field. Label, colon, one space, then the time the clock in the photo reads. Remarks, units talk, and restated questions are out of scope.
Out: 3:07
